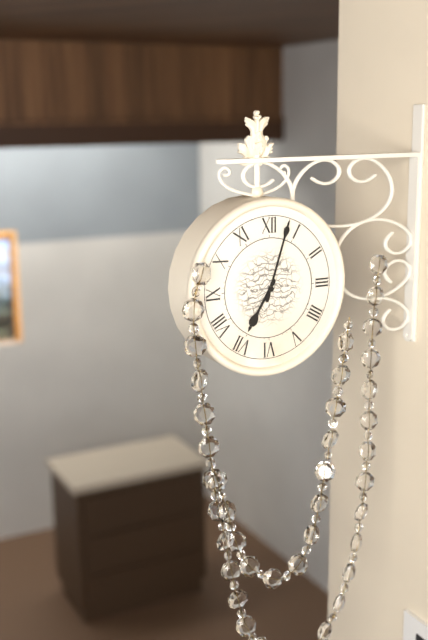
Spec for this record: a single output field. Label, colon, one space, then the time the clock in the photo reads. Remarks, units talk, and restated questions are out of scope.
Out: 7:03
